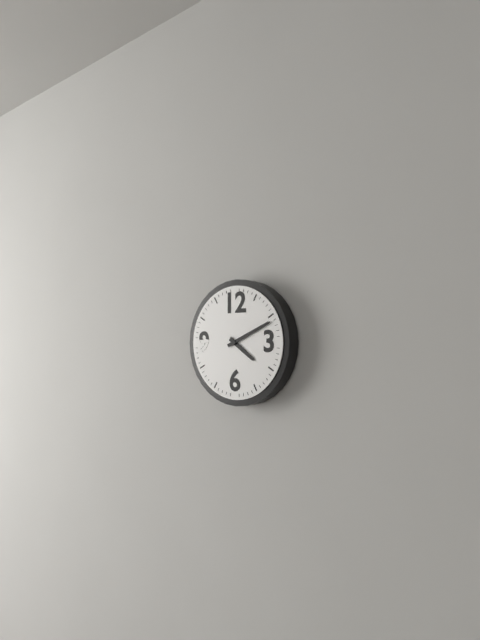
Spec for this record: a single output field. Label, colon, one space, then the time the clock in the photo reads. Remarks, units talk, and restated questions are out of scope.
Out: 4:11
